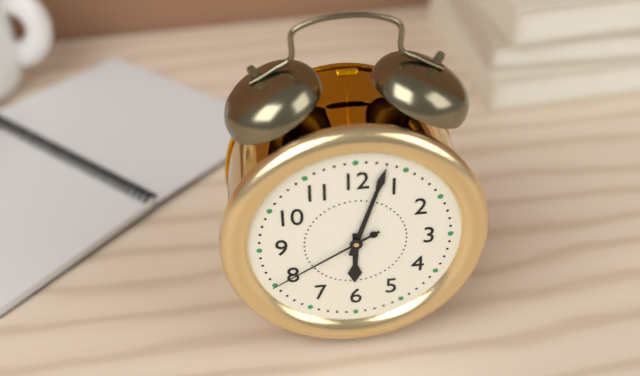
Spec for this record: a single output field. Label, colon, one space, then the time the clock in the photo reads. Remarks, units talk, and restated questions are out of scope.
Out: 6:03:40
